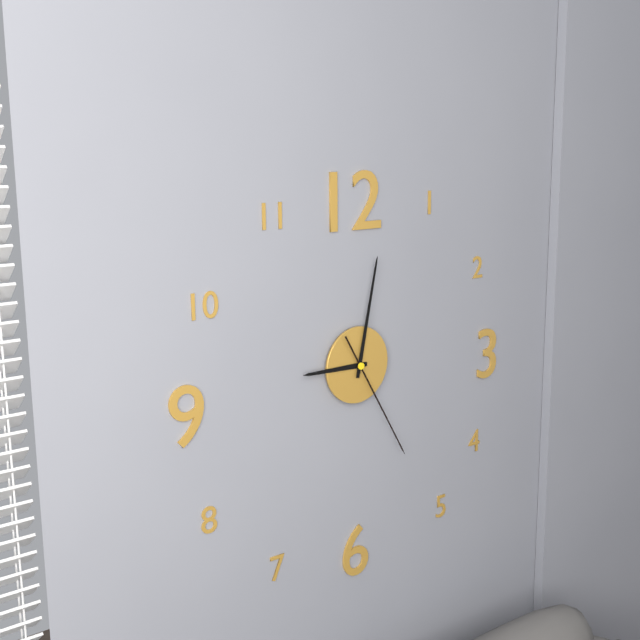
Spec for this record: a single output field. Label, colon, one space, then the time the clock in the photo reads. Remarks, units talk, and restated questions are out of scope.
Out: 9:02:25
